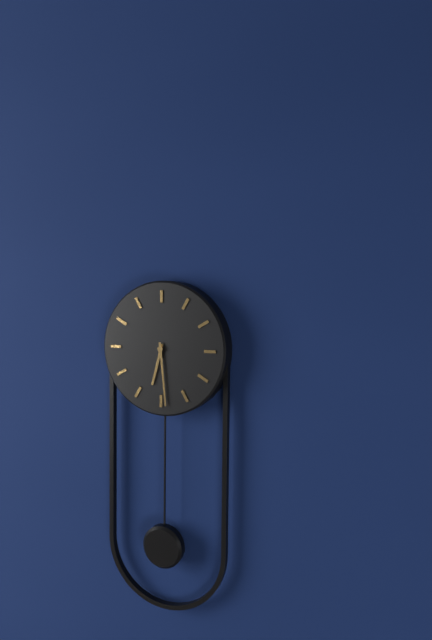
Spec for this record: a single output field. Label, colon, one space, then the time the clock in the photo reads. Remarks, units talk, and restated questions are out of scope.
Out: 6:29
